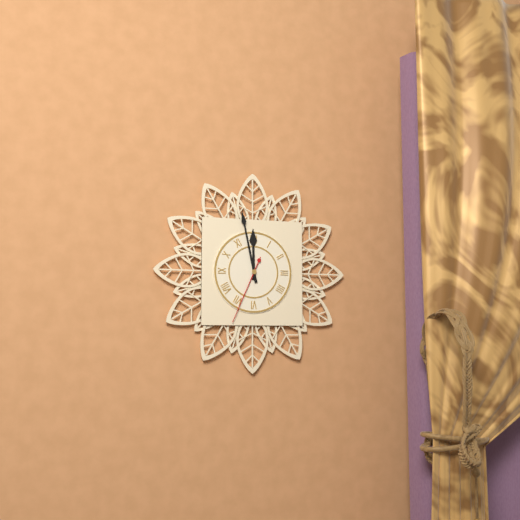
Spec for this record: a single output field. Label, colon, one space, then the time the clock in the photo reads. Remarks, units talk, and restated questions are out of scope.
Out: 11:58:34
